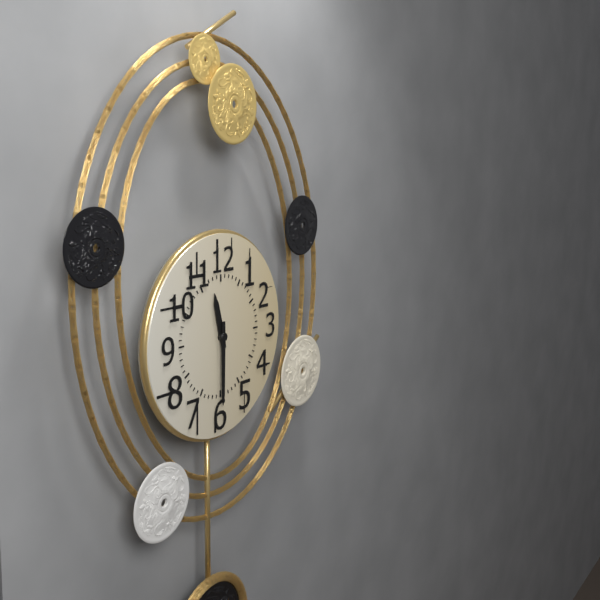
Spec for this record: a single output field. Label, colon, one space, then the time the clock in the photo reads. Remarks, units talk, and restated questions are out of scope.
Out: 11:30
